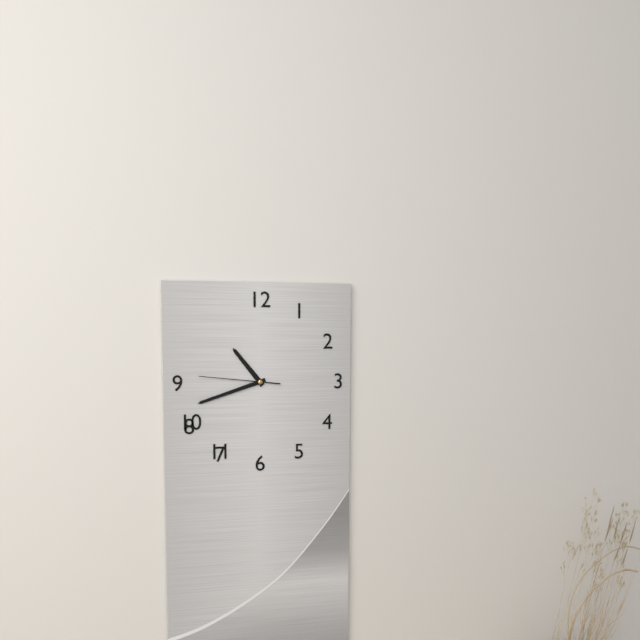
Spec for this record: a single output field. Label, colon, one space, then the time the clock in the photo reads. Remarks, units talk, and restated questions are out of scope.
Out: 10:42:46
